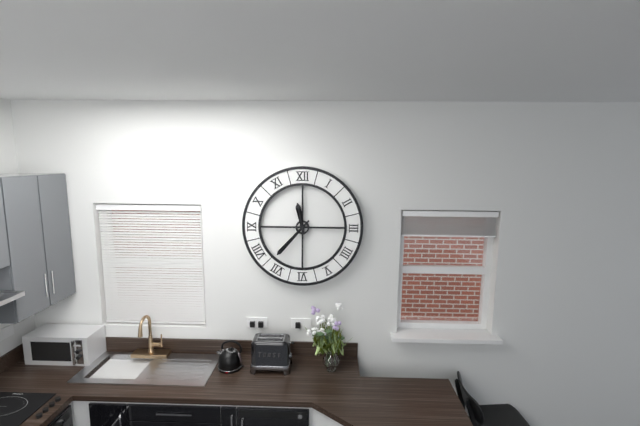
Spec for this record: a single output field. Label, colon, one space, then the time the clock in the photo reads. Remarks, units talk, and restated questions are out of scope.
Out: 11:37
